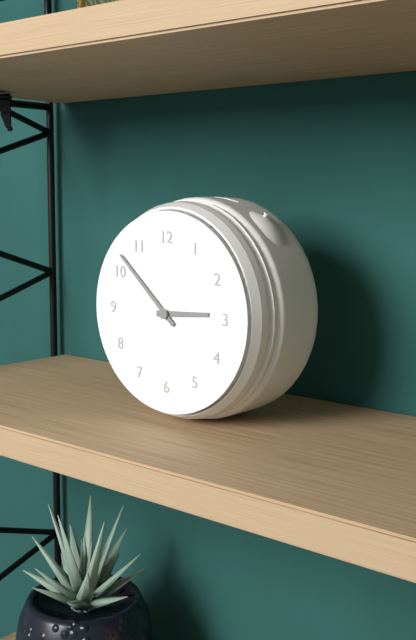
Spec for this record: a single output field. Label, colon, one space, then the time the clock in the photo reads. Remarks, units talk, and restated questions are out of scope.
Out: 2:52
